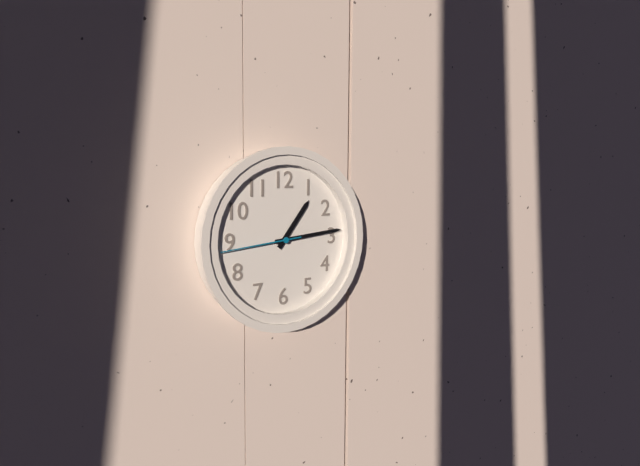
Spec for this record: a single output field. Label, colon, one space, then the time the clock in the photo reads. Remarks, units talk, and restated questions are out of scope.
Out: 1:14:44
